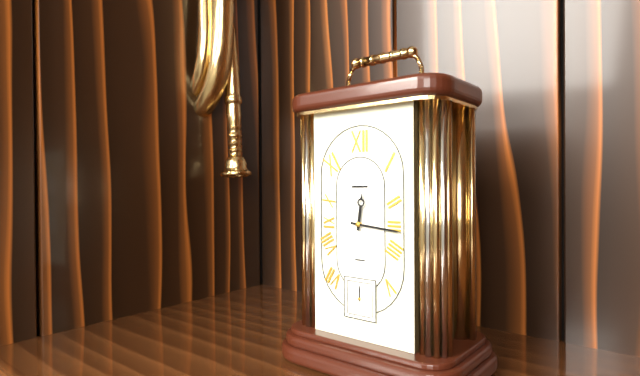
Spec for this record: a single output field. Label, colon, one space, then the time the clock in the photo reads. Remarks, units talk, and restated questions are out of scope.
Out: 12:16
